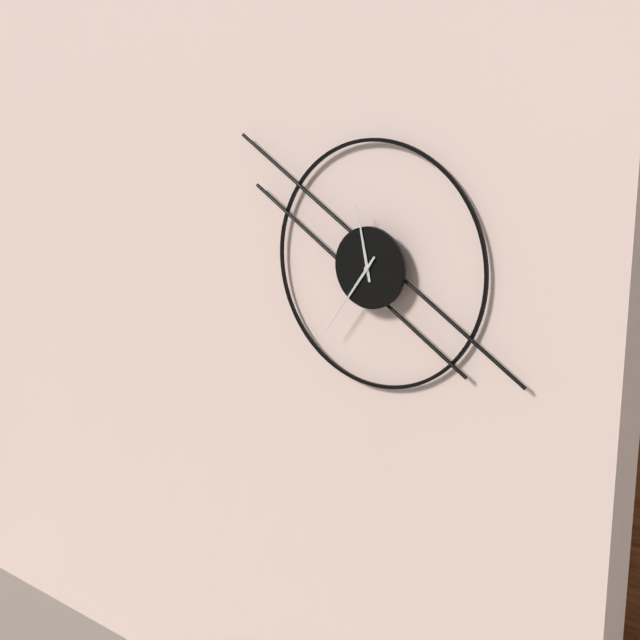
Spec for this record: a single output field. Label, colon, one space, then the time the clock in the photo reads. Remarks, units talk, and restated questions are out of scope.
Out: 11:36
